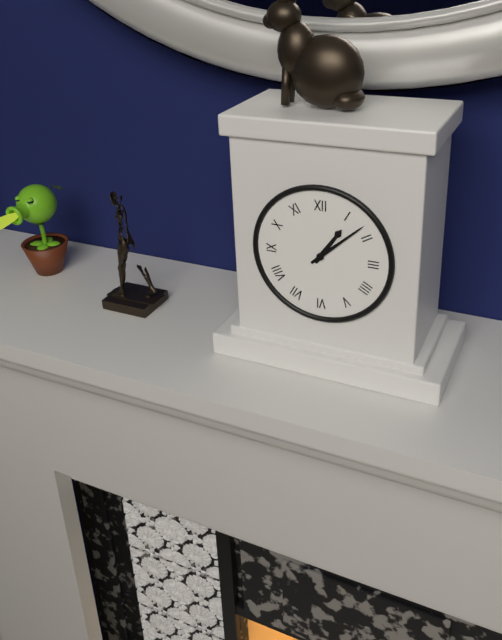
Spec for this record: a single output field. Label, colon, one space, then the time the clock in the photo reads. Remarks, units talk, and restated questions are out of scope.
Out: 1:08
